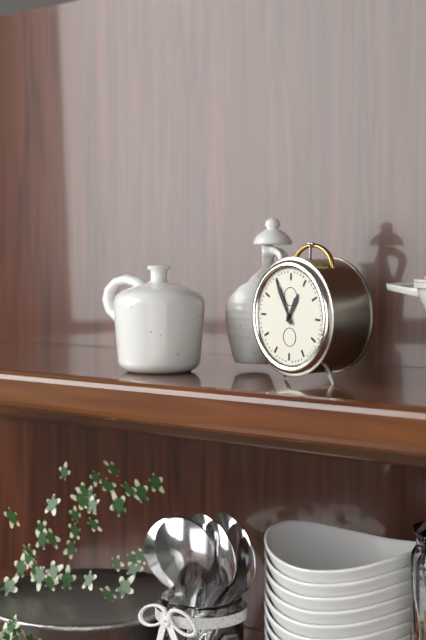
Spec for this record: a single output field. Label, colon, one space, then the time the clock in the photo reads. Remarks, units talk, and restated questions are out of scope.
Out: 12:55
